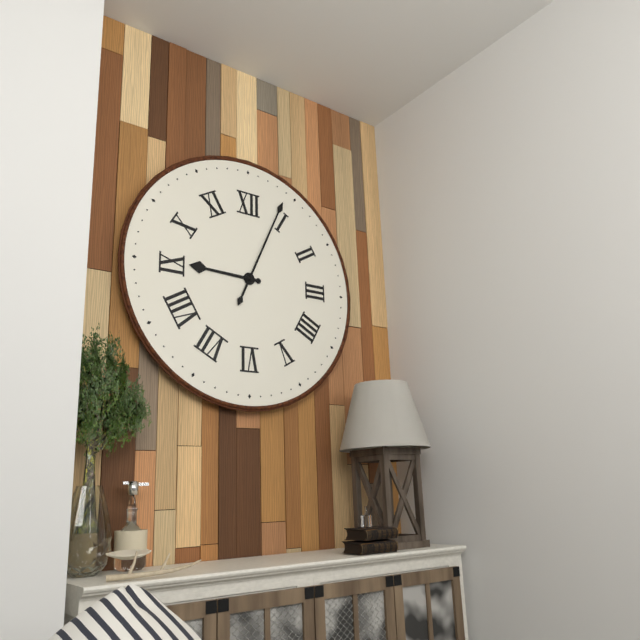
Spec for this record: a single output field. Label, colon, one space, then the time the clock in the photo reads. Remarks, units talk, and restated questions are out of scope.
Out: 9:04
